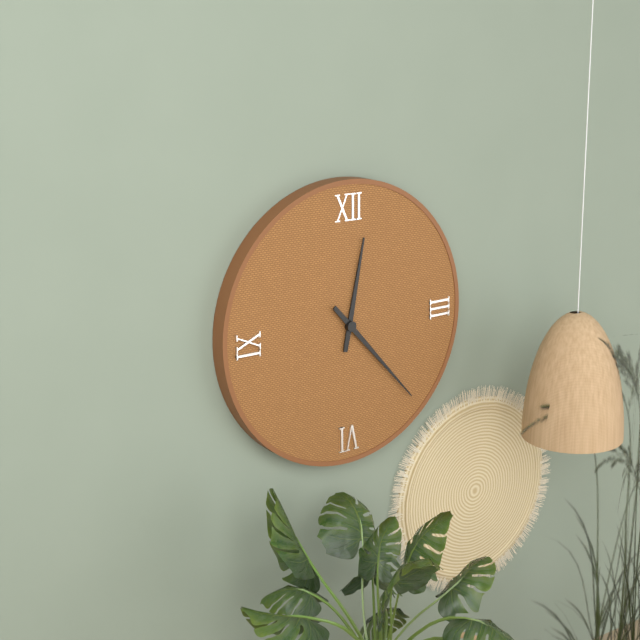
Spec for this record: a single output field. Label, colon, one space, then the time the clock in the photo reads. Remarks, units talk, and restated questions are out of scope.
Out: 12:23
